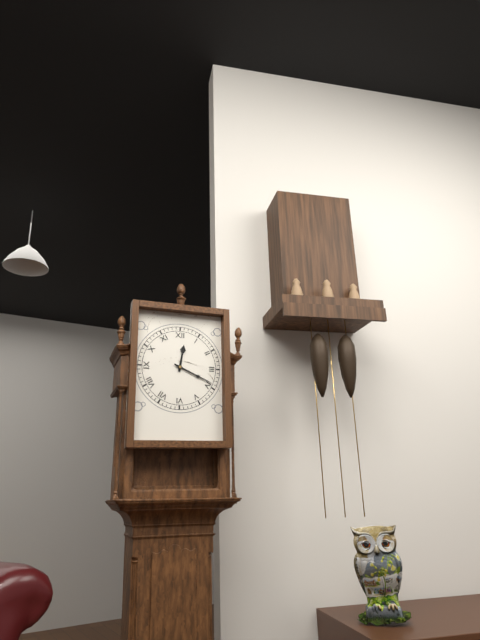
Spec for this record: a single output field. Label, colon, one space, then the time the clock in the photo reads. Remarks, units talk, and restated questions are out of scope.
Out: 12:19
